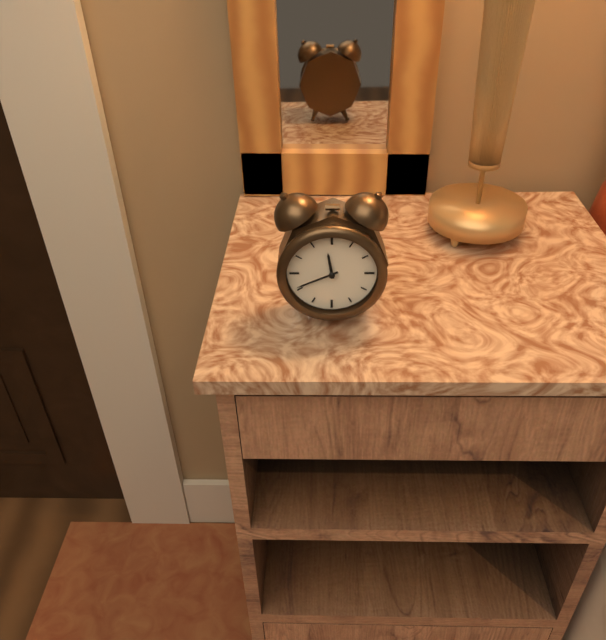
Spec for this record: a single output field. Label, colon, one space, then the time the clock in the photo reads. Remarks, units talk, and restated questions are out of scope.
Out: 11:41
